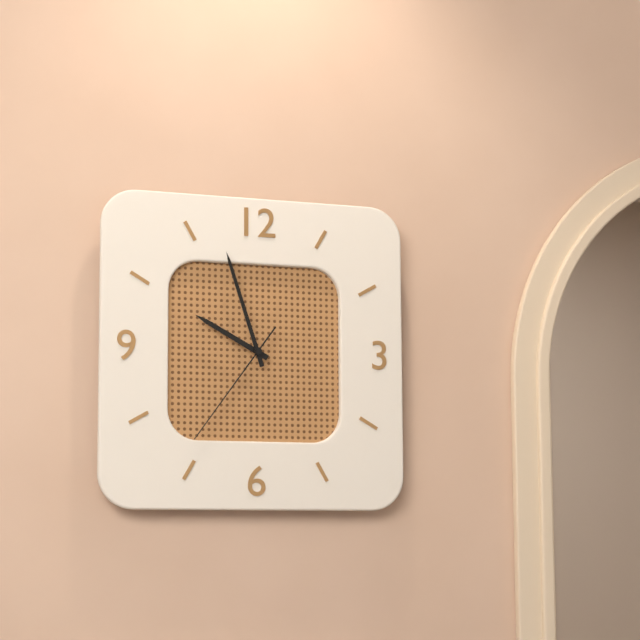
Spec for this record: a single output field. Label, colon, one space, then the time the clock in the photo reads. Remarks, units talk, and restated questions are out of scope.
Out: 9:57:36
